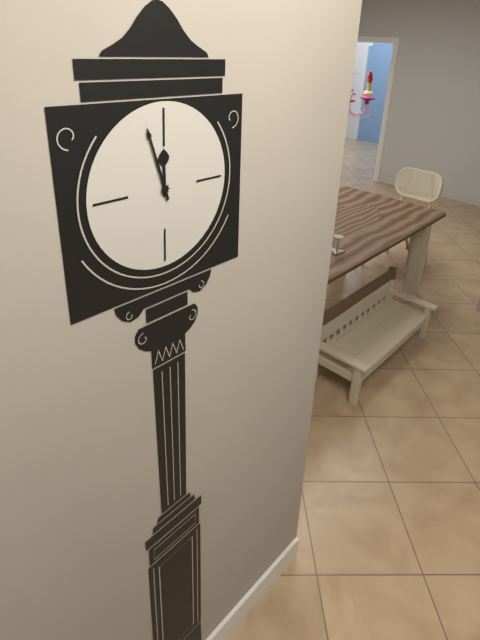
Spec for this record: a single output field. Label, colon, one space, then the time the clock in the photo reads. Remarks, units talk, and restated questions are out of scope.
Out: 11:57
